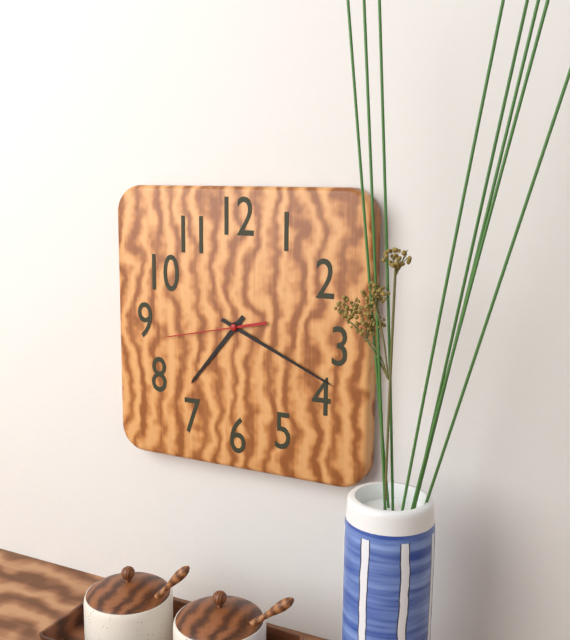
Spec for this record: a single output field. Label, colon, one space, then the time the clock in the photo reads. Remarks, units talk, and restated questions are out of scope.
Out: 7:19:43
